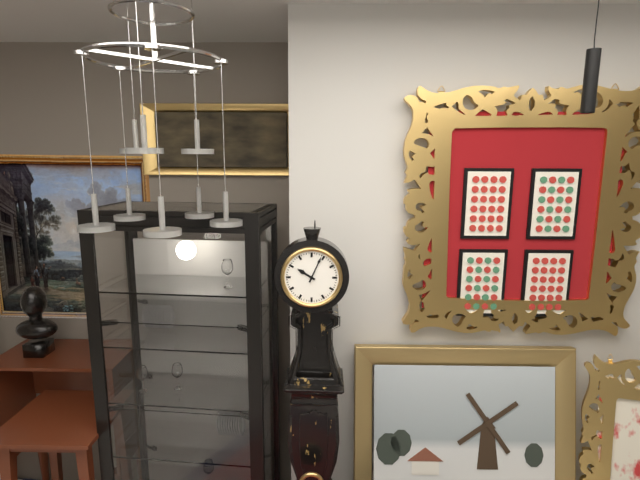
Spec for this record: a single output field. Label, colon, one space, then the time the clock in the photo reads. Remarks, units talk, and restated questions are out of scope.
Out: 10:04
